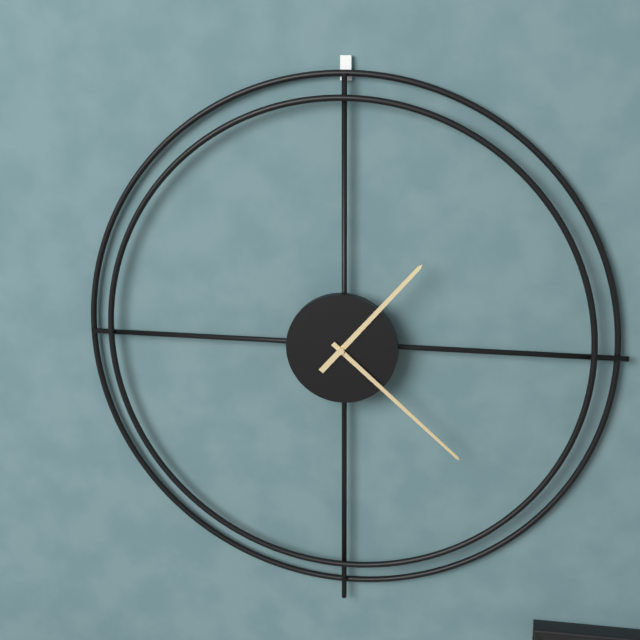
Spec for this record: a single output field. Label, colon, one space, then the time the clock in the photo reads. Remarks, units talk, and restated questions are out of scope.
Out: 1:22
